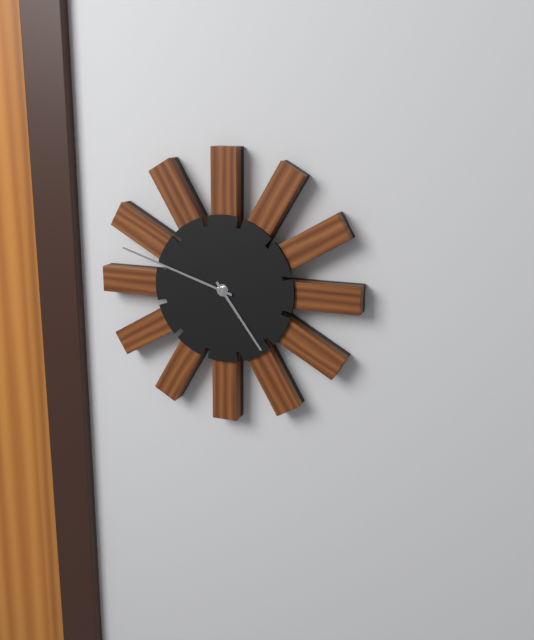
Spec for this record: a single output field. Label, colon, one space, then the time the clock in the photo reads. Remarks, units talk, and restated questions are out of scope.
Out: 4:48
